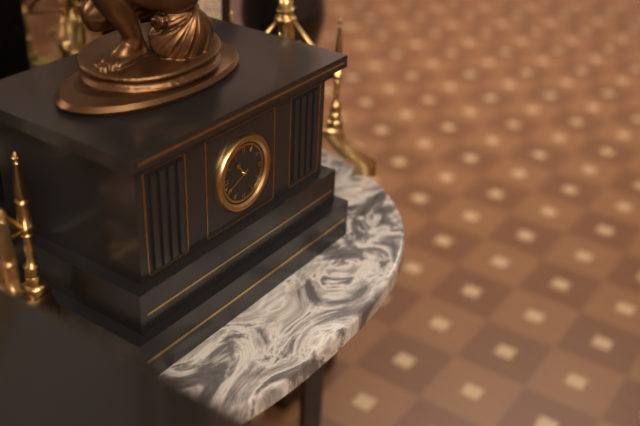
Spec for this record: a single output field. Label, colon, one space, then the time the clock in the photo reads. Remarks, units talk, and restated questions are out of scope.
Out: 10:41
